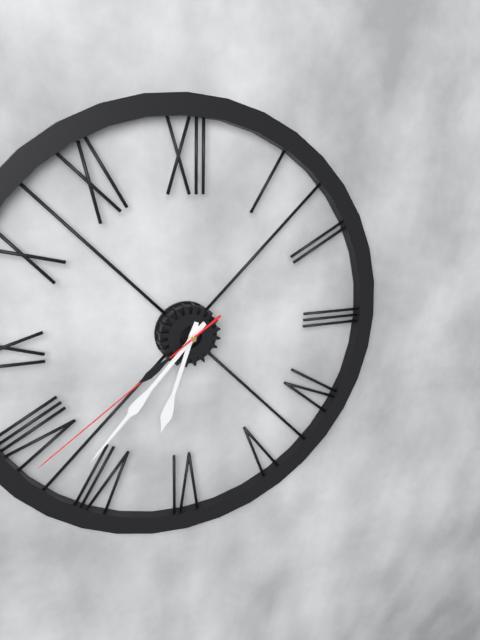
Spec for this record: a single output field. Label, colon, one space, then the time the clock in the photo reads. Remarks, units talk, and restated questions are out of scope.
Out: 6:37:39
